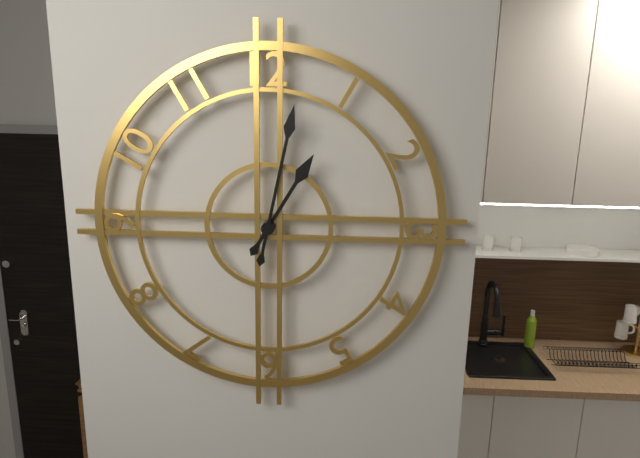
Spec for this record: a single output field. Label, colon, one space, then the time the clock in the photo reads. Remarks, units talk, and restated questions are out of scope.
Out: 1:02
